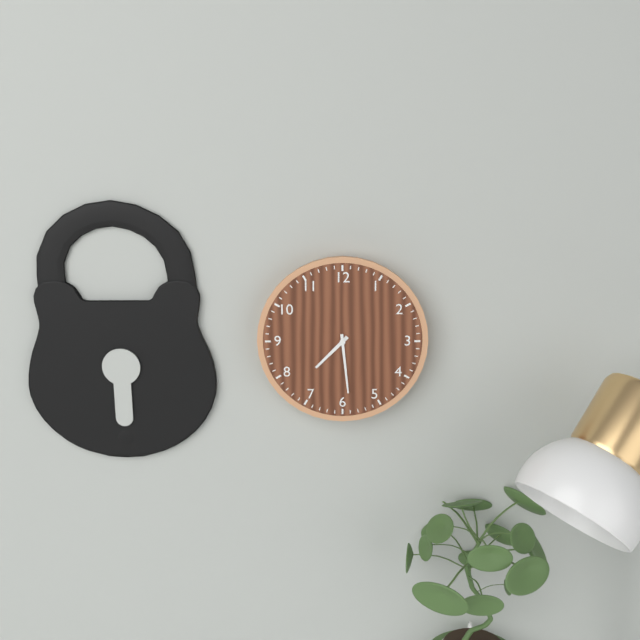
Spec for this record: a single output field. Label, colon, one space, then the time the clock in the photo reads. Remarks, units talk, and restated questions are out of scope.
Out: 7:29
